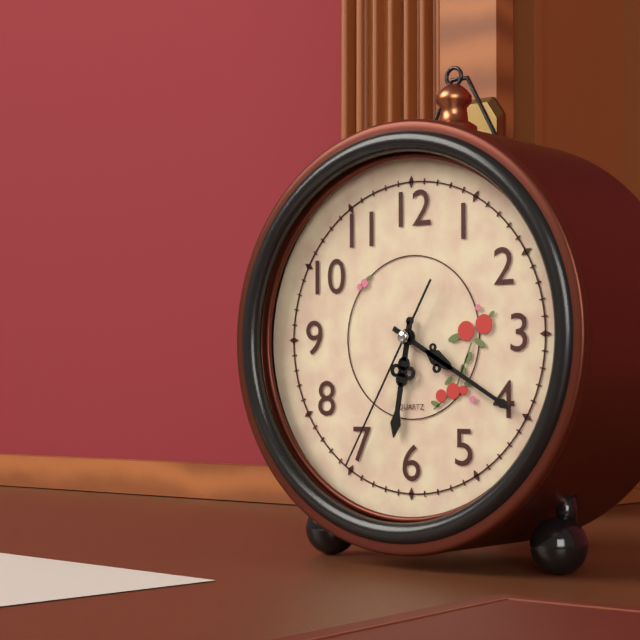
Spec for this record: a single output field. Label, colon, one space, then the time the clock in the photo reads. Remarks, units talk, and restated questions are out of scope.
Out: 6:20:35
